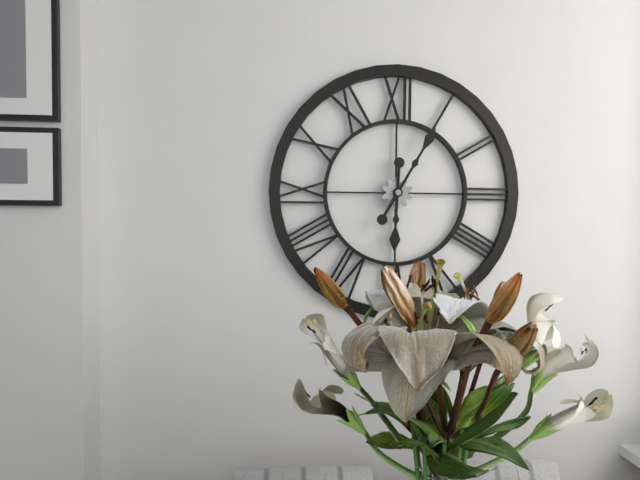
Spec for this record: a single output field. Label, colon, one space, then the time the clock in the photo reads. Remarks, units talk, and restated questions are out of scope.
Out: 6:05
